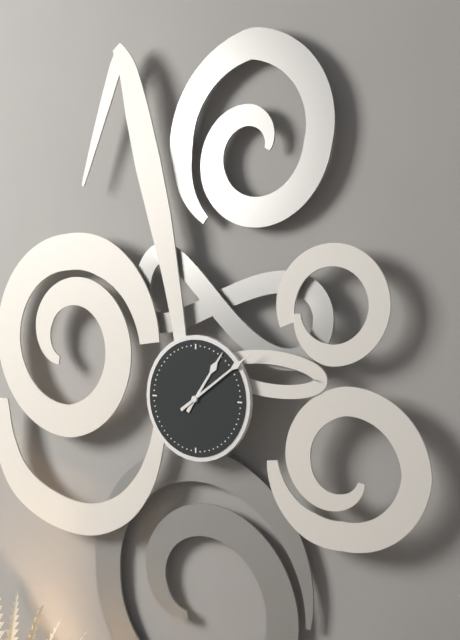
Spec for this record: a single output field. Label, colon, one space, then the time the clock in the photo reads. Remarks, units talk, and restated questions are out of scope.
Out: 1:09
